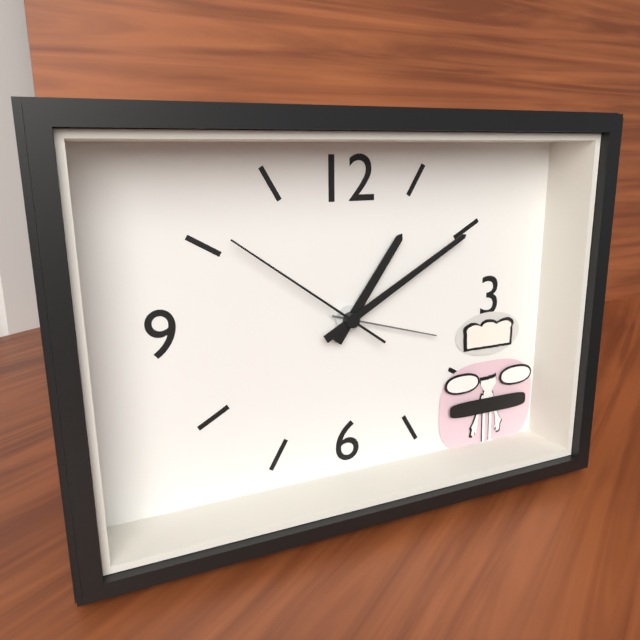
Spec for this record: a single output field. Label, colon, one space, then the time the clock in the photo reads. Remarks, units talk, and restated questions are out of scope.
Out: 1:10:51
